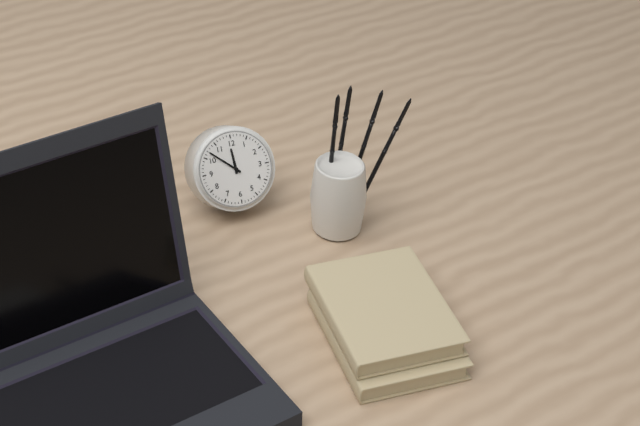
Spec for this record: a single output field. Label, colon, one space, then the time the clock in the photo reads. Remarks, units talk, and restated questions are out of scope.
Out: 11:52
